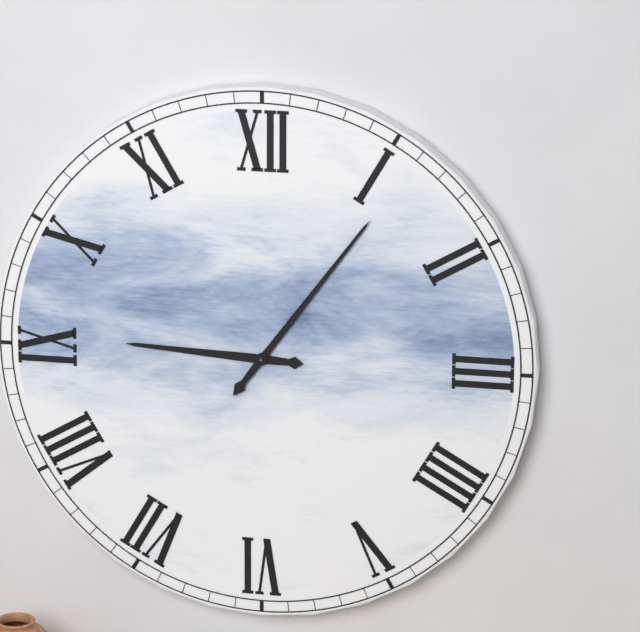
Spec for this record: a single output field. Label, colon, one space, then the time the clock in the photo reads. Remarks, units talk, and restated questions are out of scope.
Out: 9:06
